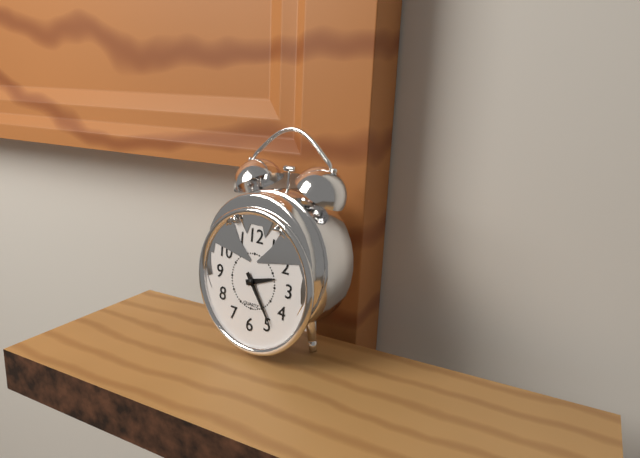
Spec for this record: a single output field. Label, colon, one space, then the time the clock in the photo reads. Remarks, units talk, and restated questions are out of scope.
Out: 2:24
